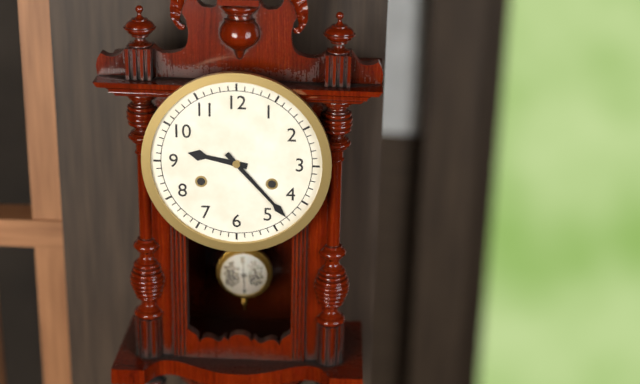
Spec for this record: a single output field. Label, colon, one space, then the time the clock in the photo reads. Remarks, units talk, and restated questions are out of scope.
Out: 9:23
